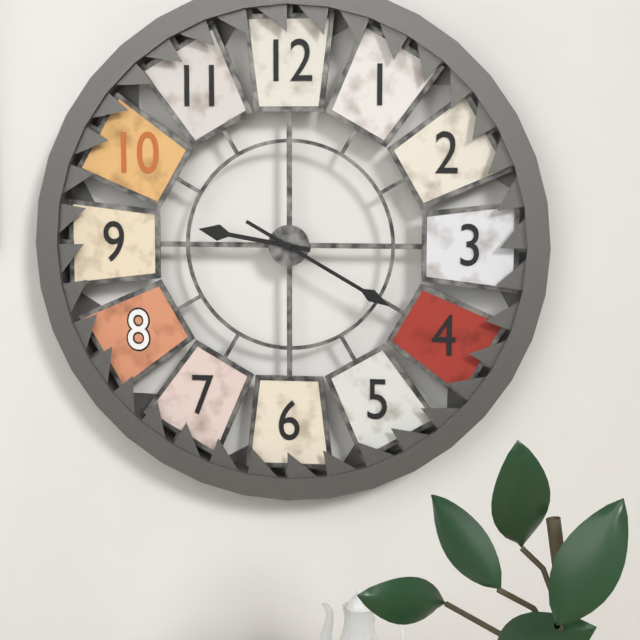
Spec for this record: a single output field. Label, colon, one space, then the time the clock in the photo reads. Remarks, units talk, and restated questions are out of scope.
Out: 9:20
